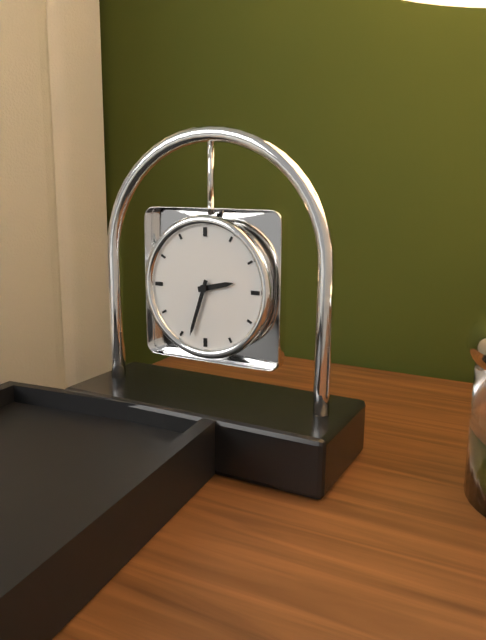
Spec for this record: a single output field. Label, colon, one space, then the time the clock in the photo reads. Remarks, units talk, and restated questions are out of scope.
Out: 2:33
